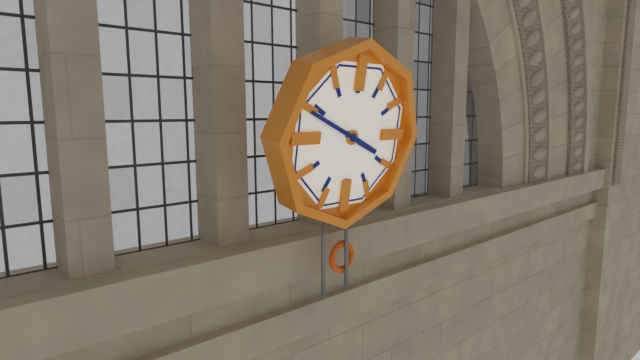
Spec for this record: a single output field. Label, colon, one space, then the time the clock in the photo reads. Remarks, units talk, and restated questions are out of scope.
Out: 3:49
